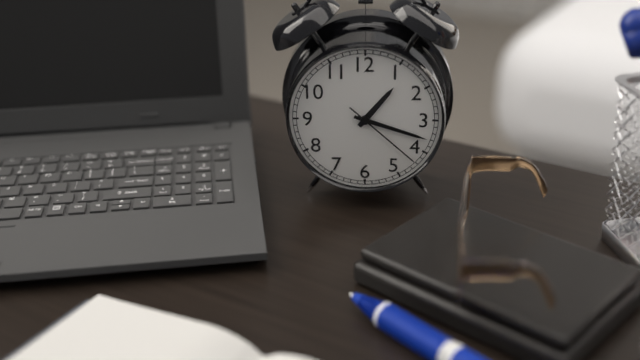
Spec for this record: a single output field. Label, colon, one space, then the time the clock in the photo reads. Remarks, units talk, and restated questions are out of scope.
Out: 1:18:22
